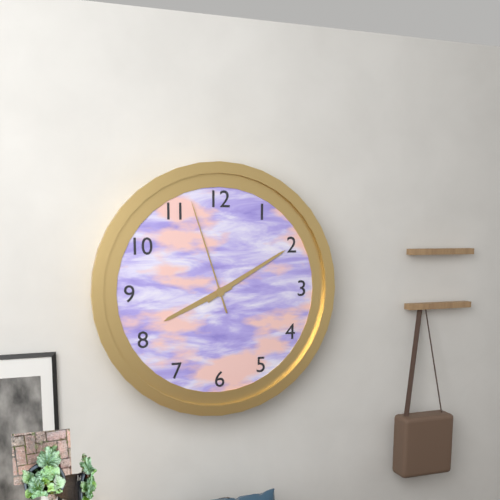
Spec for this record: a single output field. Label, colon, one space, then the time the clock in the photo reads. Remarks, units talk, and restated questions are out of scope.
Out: 8:10:57
